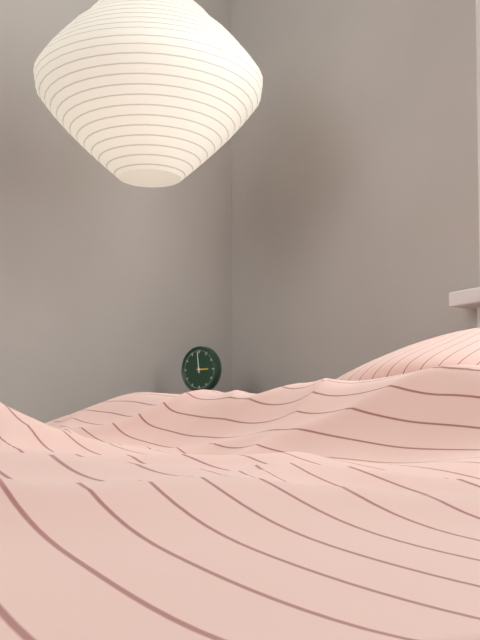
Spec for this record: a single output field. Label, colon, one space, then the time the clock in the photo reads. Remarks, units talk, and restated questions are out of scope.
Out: 2:59
